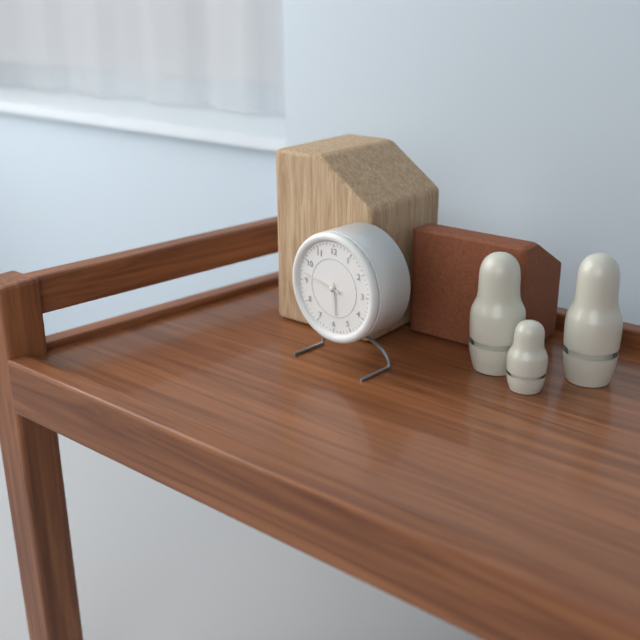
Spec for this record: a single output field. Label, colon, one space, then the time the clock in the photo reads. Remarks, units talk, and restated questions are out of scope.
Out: 5:47
